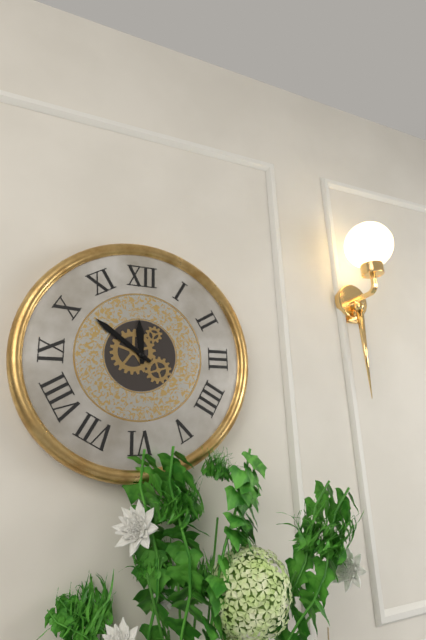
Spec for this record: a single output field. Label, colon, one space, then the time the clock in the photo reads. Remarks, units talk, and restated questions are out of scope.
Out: 11:51
